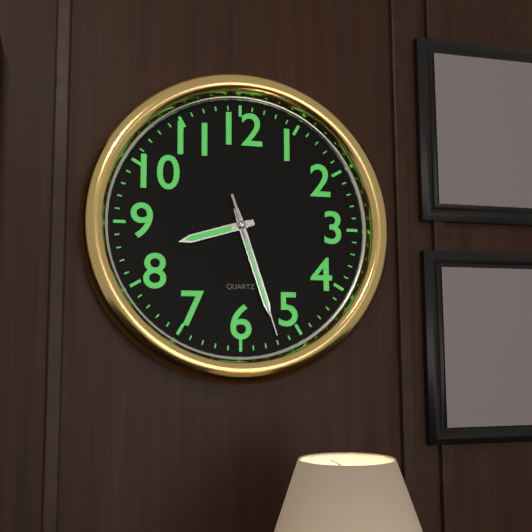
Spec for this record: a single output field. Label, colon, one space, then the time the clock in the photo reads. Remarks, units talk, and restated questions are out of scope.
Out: 8:27:27
